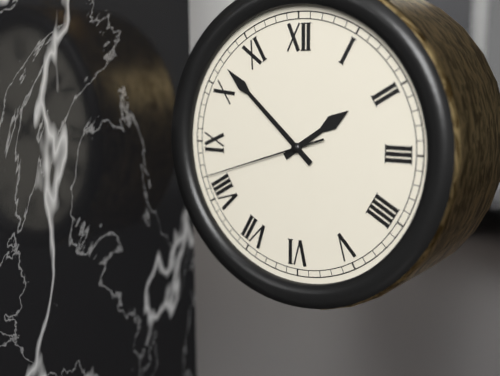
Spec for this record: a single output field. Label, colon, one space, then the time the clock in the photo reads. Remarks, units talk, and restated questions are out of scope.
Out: 1:52:42
